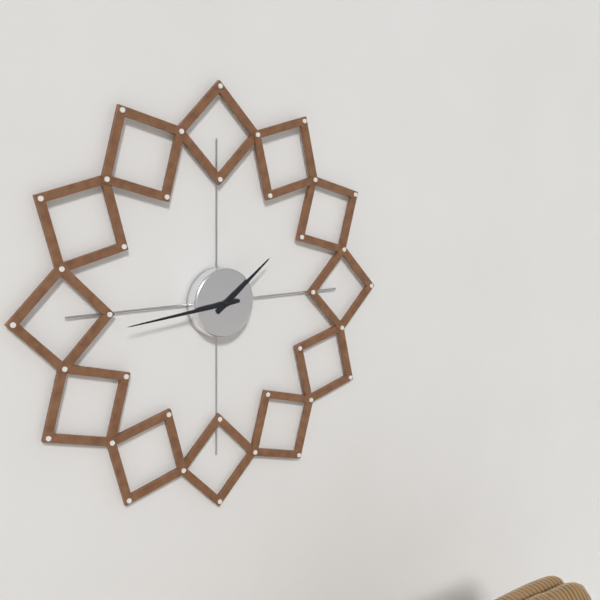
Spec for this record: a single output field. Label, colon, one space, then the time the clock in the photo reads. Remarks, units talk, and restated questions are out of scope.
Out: 1:44
